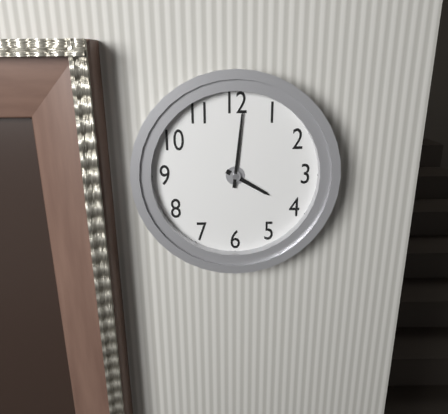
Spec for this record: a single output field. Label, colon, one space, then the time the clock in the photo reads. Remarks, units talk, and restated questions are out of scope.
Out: 4:01
